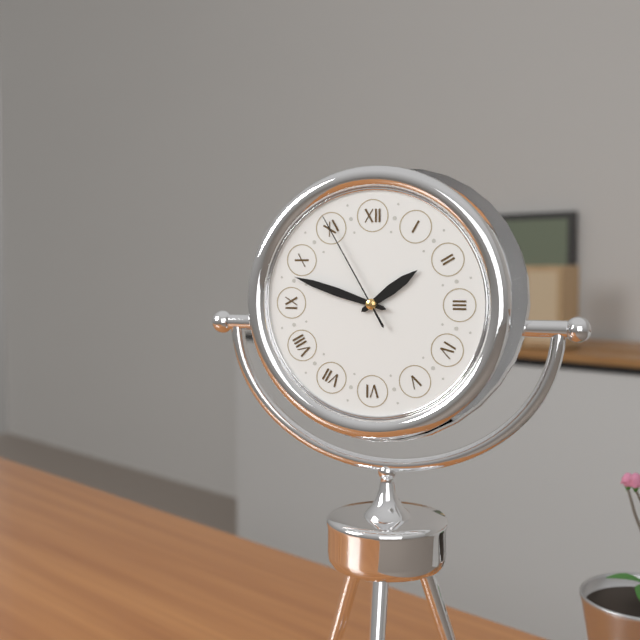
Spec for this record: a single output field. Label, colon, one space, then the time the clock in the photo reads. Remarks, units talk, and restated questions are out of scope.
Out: 1:48:55
